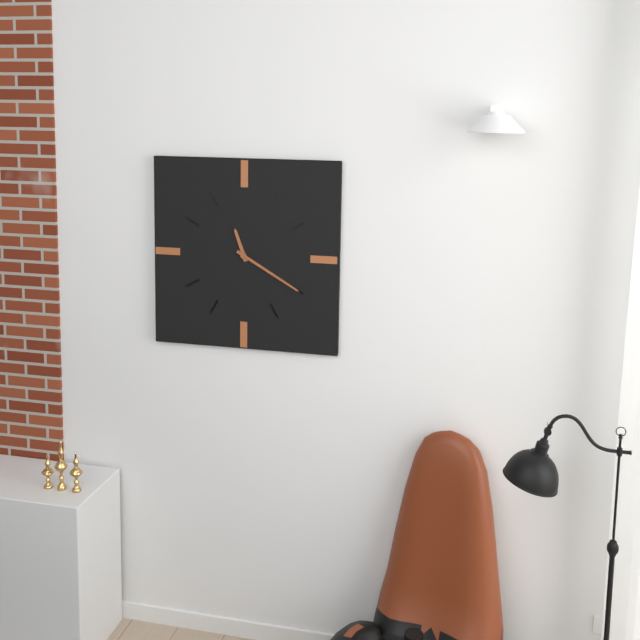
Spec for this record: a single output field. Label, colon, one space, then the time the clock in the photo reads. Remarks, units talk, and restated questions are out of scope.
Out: 11:20
